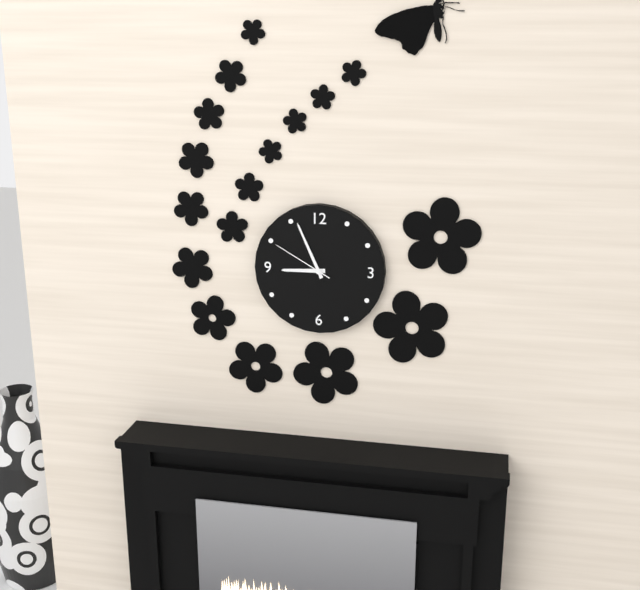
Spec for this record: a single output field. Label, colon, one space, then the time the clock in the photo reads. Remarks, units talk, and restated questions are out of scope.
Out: 8:56:50
